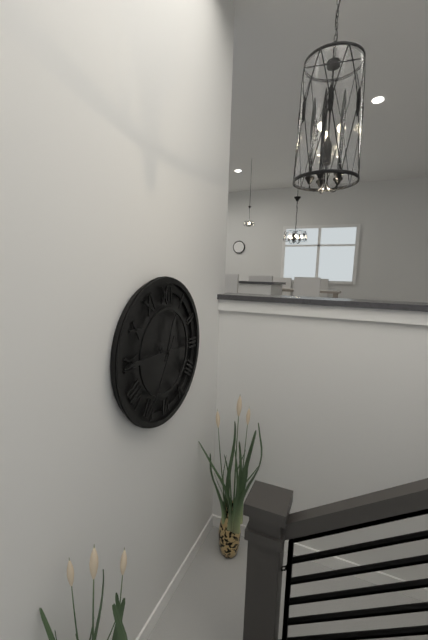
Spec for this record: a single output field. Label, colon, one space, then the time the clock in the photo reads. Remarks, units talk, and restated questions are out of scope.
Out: 12:45:35
